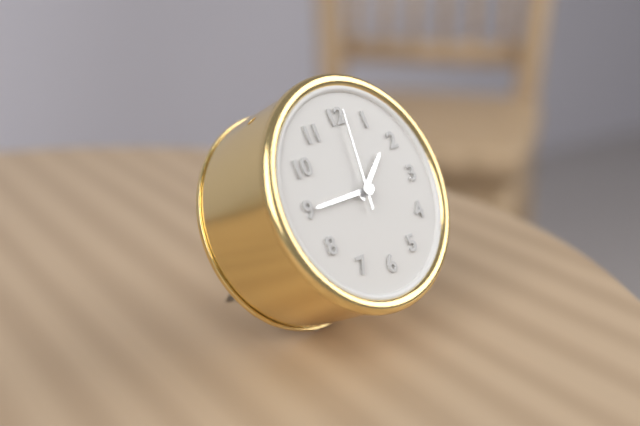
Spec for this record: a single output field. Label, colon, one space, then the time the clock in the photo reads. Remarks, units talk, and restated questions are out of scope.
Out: 1:45:01
